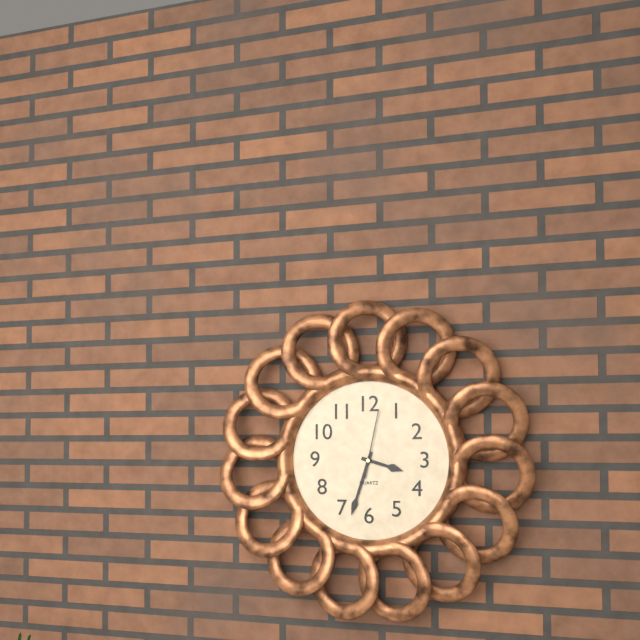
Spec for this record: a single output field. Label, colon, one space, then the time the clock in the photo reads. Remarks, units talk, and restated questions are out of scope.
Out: 3:33:02
